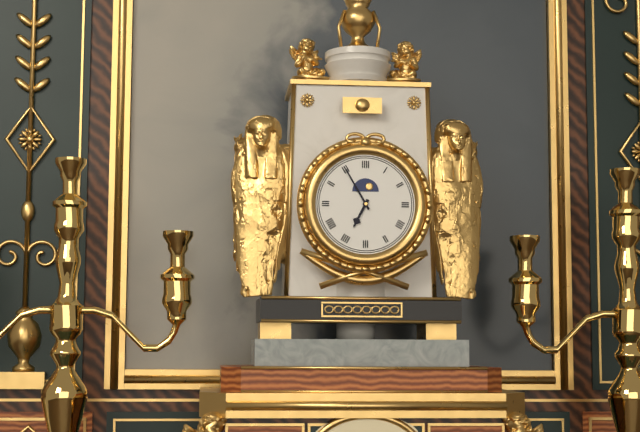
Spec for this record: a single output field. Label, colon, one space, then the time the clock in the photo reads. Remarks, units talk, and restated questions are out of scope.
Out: 6:55
